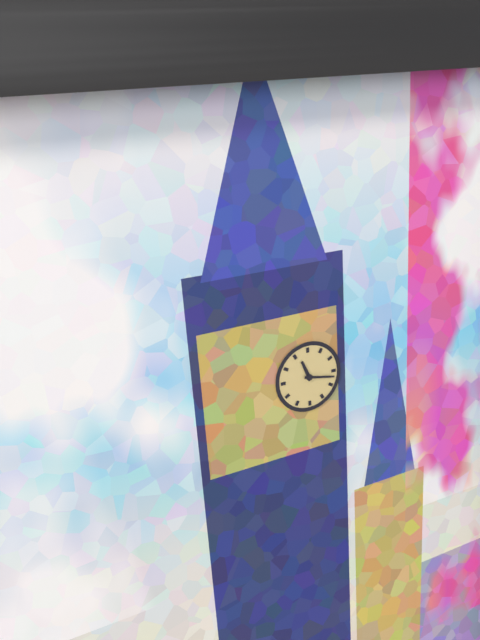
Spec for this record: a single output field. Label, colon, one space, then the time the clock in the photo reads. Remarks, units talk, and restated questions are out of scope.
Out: 11:17
